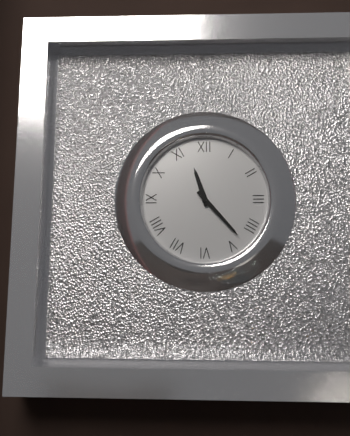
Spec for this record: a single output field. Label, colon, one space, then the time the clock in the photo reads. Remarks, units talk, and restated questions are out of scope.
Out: 11:23
